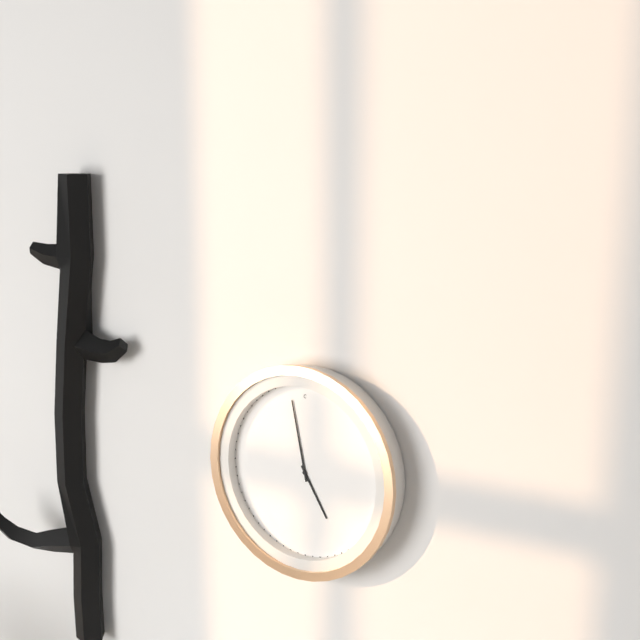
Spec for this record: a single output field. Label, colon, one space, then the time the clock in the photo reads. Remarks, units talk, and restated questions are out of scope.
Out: 4:58
